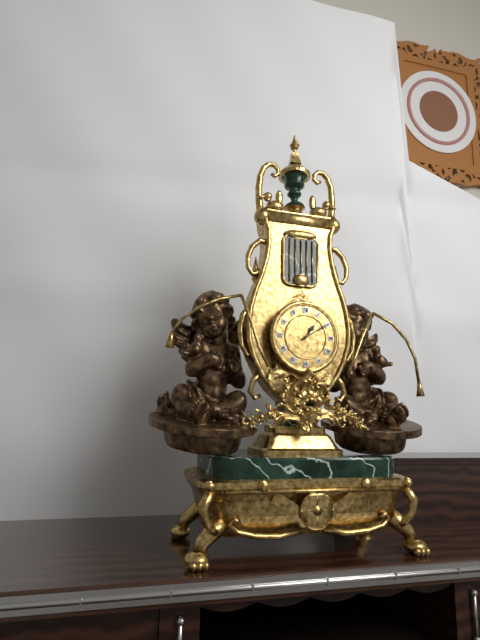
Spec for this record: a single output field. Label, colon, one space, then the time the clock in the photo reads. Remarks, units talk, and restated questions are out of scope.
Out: 1:10
